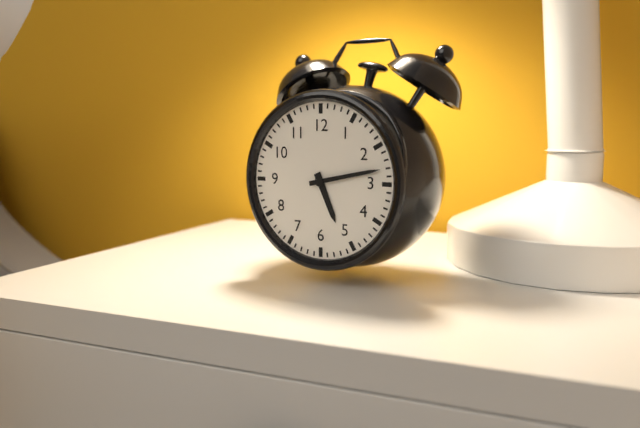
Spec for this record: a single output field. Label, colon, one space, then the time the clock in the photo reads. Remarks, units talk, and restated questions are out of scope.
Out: 5:13
